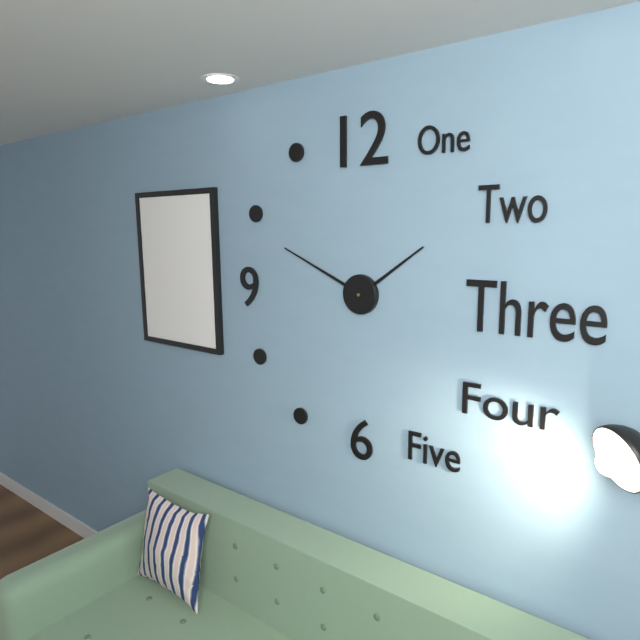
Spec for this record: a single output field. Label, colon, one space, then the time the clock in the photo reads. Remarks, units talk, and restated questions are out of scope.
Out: 1:49
